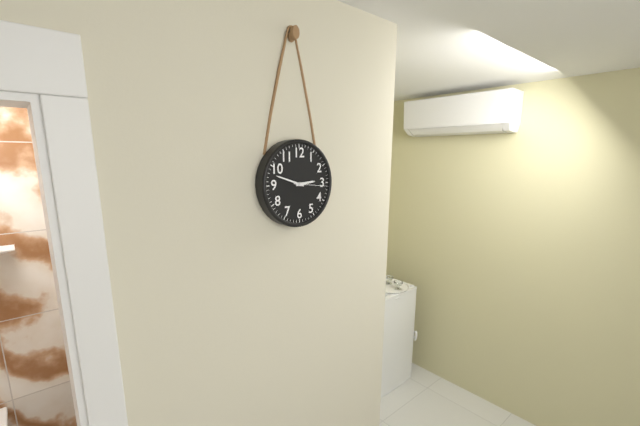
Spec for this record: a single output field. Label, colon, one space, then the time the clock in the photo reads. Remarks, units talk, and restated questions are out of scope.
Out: 2:48
